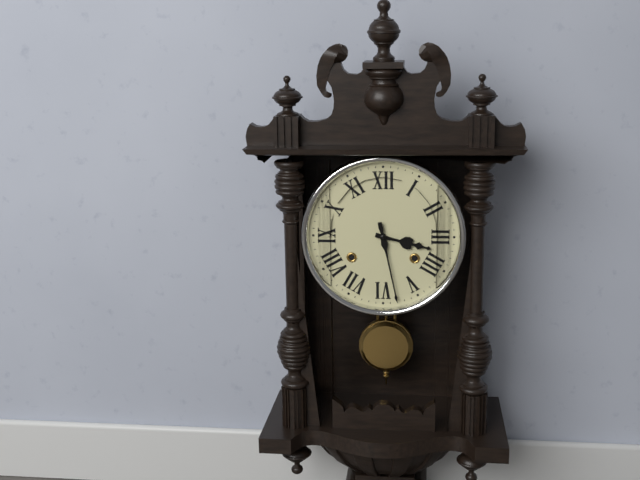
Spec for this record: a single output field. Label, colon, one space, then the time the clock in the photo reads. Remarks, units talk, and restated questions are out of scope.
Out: 3:28
